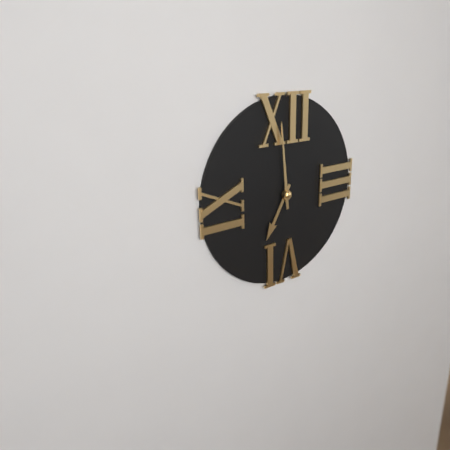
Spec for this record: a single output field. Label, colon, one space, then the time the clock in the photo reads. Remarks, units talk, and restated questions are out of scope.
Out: 6:59
